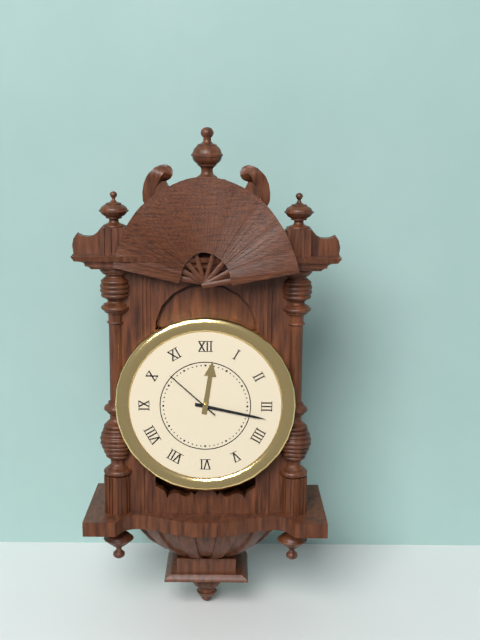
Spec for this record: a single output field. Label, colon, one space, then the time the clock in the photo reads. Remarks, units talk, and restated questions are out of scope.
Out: 12:17:52
